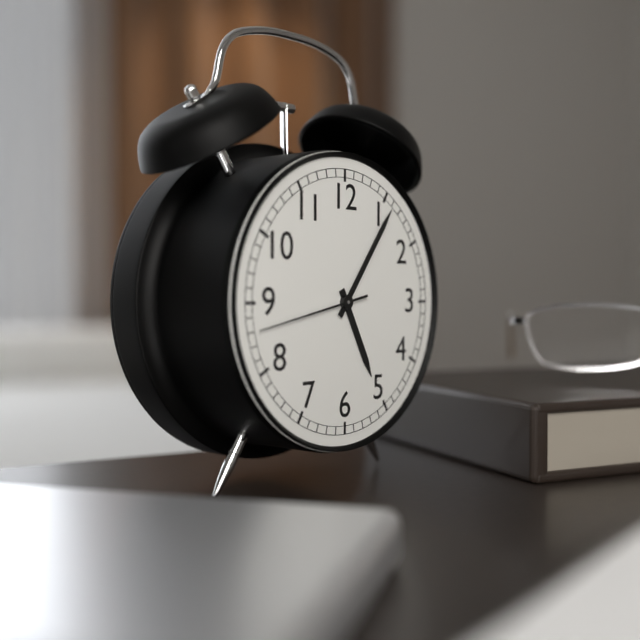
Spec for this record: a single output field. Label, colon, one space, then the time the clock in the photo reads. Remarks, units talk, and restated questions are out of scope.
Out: 5:06:43
